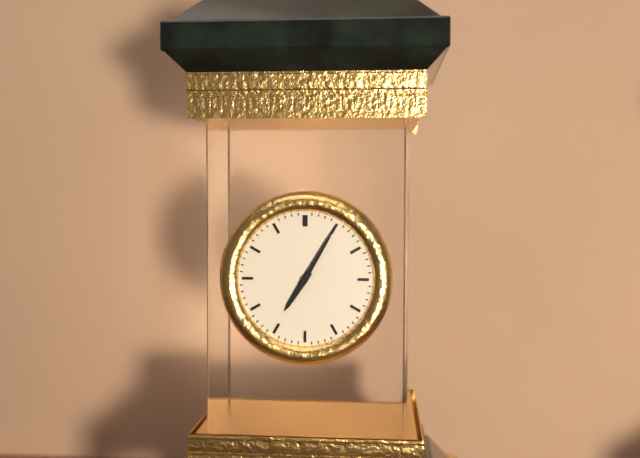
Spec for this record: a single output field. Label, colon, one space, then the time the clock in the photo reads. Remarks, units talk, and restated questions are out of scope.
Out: 7:05
